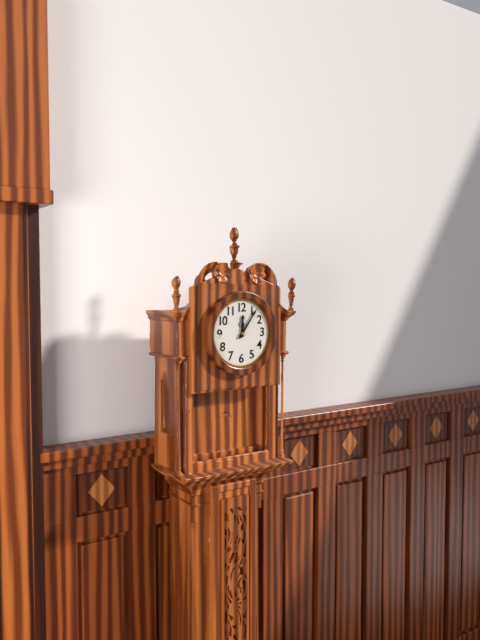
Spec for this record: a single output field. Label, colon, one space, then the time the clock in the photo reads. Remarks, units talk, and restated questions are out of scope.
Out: 12:06
